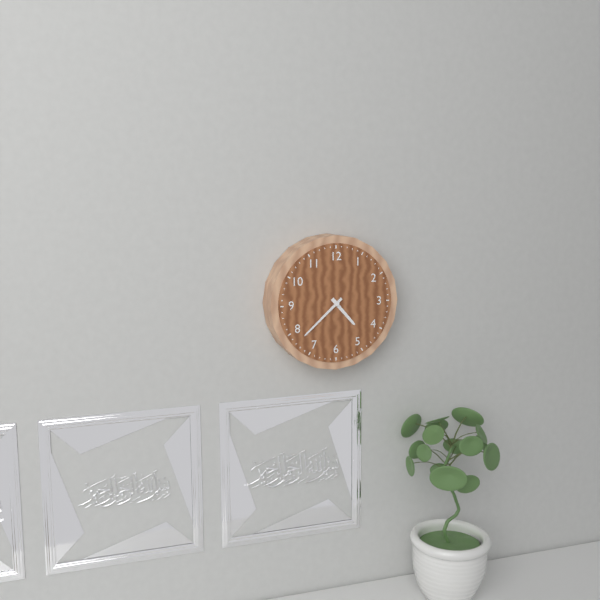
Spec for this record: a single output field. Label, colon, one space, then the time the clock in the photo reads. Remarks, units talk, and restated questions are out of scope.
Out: 4:38
